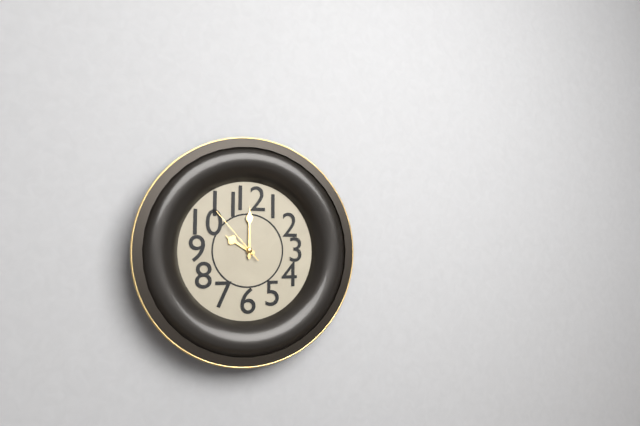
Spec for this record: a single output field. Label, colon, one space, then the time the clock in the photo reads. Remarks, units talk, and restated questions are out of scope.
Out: 10:00:53
